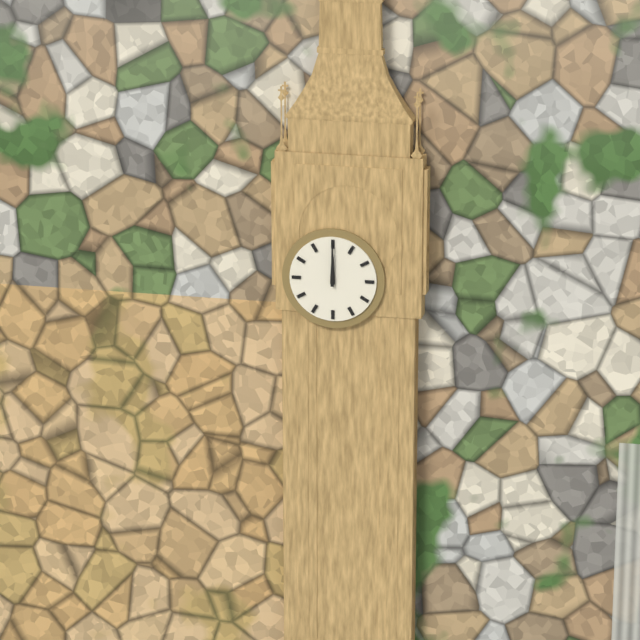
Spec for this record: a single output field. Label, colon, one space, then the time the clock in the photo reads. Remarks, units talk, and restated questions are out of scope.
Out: 12:00
